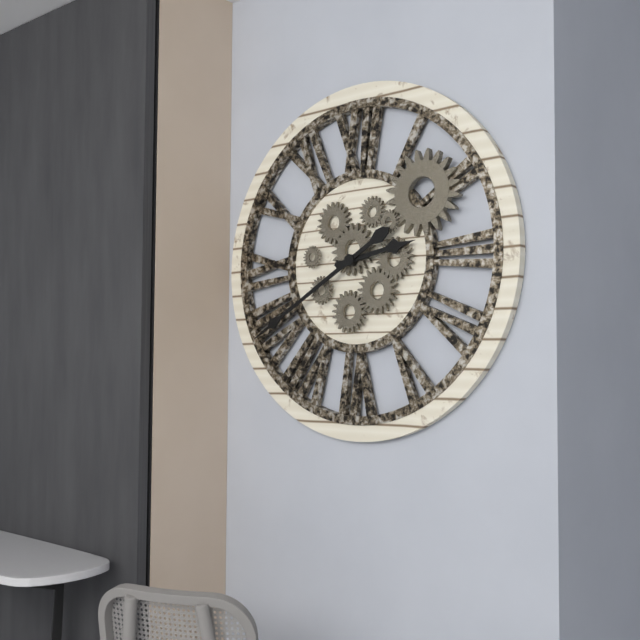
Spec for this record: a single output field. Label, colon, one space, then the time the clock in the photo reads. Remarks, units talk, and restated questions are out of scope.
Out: 2:40
